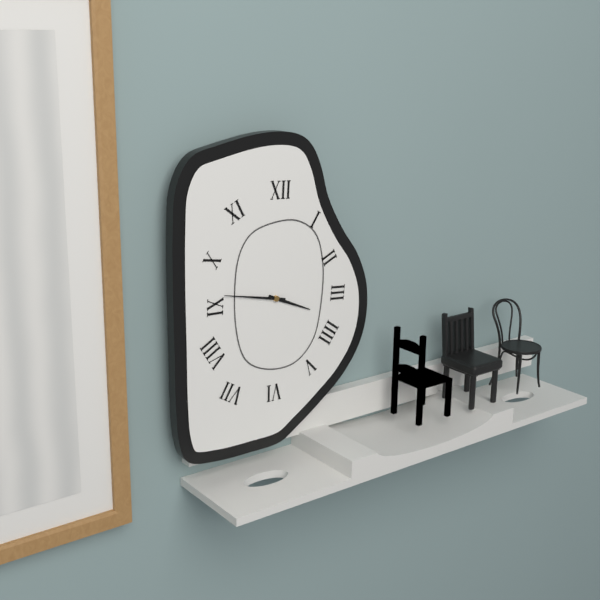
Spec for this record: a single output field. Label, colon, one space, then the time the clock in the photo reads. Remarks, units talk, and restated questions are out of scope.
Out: 3:47
